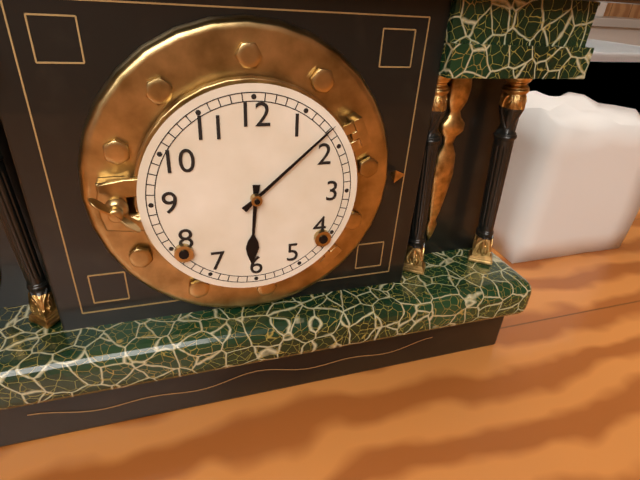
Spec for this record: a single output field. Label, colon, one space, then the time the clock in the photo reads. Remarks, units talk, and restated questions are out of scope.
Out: 6:08
